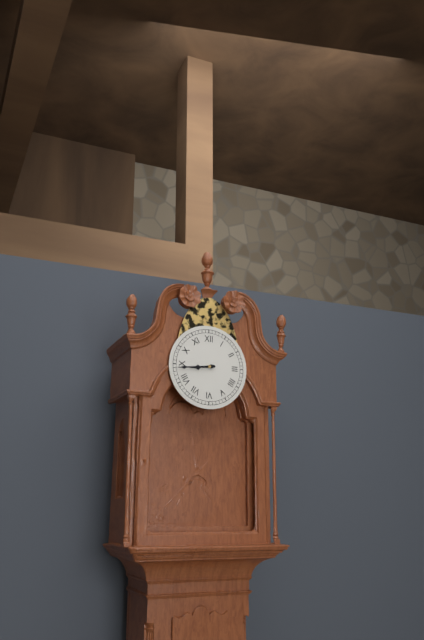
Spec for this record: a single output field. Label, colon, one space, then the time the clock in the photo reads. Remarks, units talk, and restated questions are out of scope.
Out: 8:44
